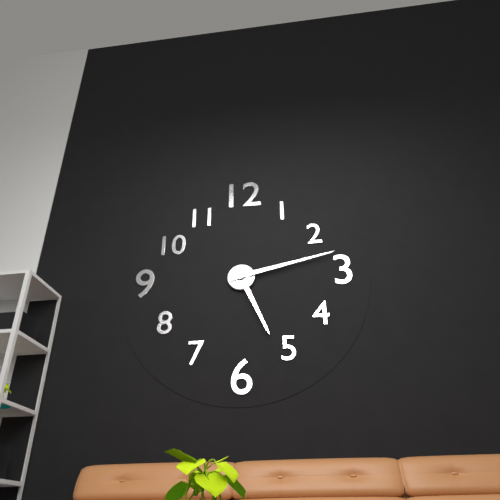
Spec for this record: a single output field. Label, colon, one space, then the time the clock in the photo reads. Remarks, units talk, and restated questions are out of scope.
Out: 5:13
